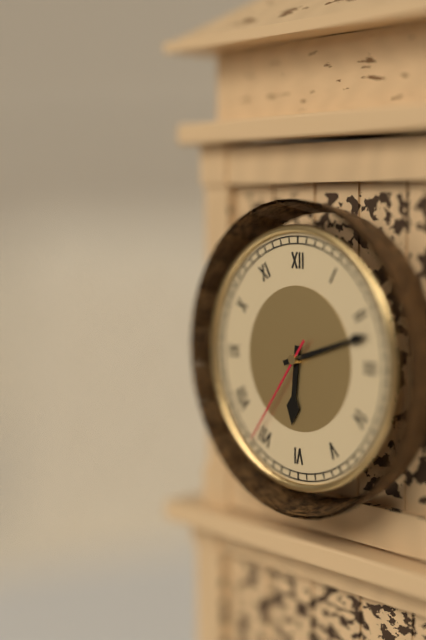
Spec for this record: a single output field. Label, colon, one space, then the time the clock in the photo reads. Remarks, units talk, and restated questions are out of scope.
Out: 6:12:36
